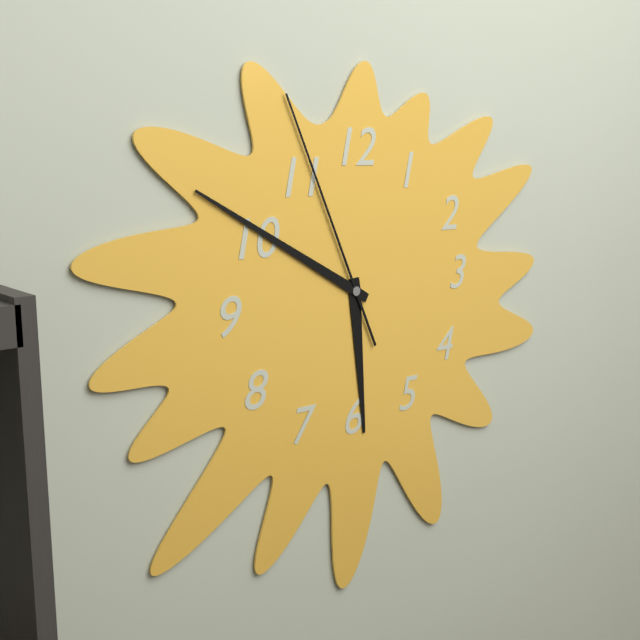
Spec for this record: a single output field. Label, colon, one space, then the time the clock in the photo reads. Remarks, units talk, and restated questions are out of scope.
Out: 5:50:56
